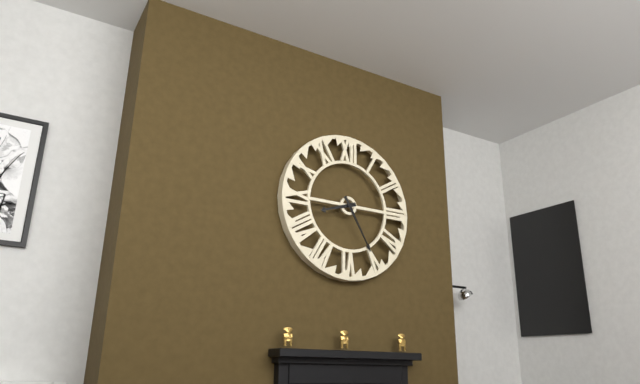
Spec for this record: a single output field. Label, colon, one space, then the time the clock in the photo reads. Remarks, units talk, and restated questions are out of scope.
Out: 8:25
